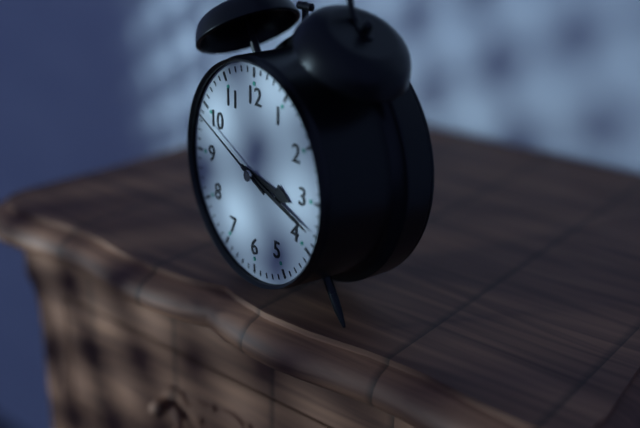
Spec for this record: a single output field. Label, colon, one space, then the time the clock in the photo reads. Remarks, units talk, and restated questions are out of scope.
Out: 3:18:49
